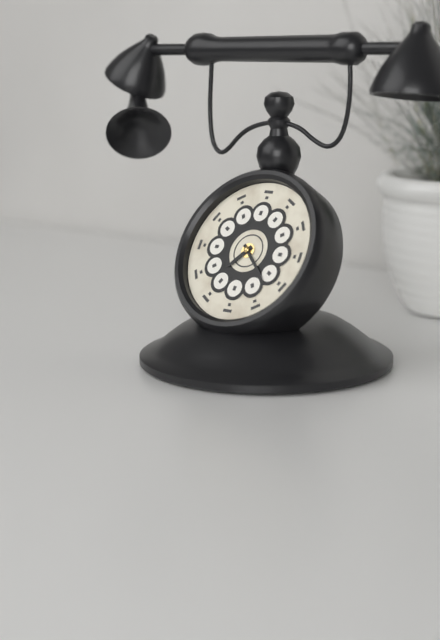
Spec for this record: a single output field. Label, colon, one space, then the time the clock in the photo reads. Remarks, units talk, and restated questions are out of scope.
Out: 7:22
